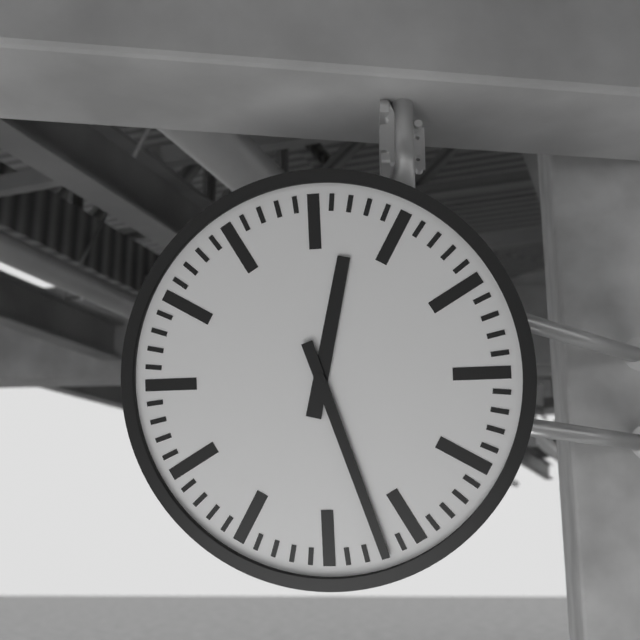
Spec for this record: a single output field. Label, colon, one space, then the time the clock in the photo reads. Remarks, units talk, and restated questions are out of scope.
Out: 12:27
